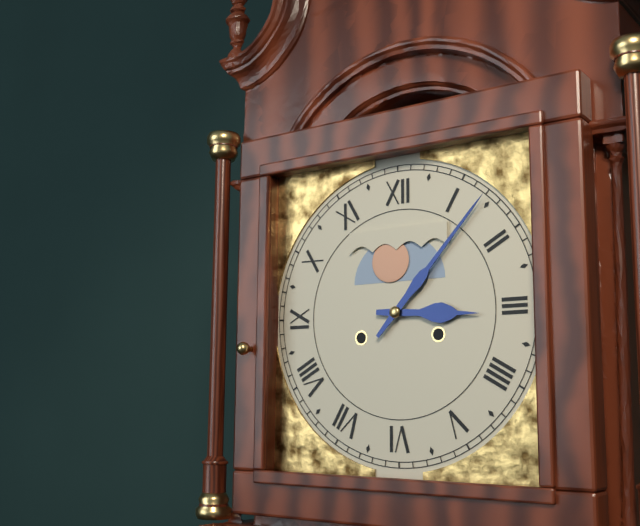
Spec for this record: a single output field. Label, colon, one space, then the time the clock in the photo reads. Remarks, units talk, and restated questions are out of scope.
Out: 3:07
